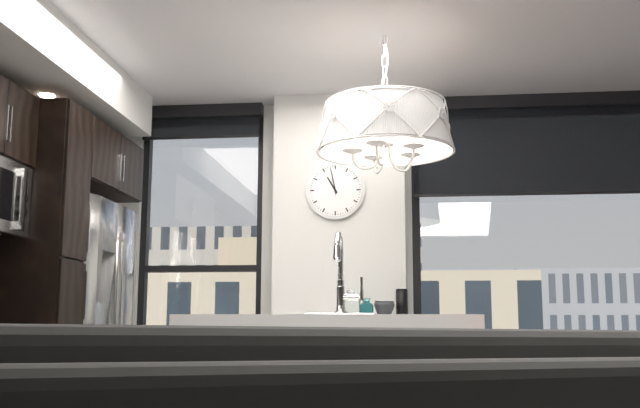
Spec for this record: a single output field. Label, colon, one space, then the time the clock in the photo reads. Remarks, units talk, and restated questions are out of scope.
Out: 10:58
